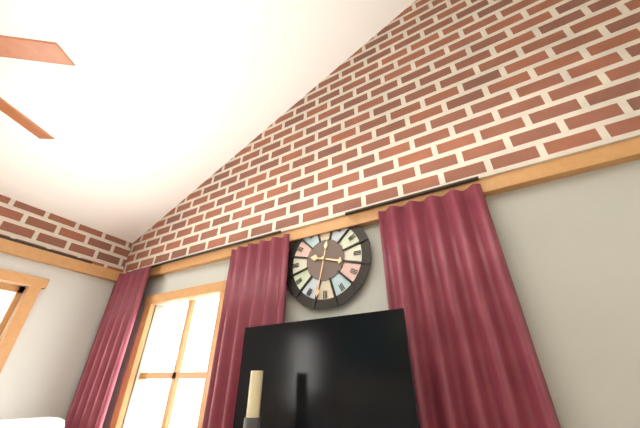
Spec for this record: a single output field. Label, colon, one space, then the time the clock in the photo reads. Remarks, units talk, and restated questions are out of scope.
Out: 3:32
